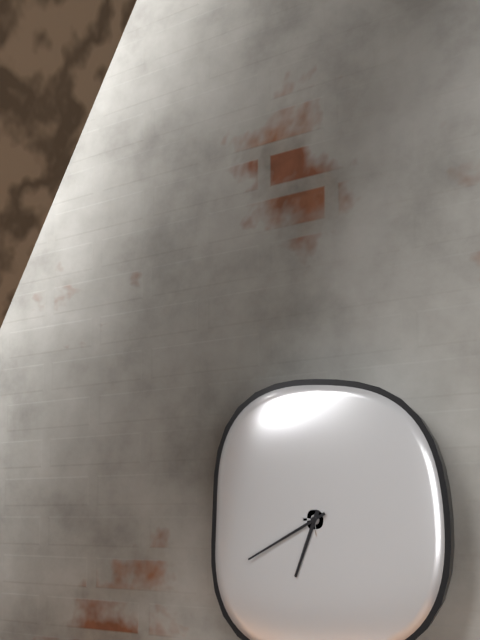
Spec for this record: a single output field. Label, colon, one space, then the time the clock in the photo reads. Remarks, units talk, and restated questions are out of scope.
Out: 6:40
